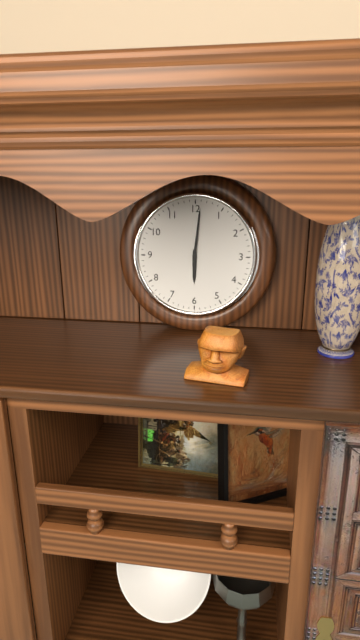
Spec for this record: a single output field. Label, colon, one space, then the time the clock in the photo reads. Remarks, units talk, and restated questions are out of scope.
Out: 6:01
